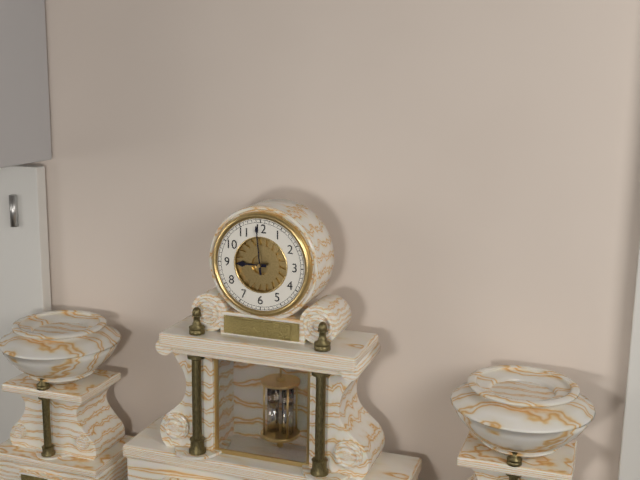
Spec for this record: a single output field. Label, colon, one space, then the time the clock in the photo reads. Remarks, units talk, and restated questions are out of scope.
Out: 8:59
